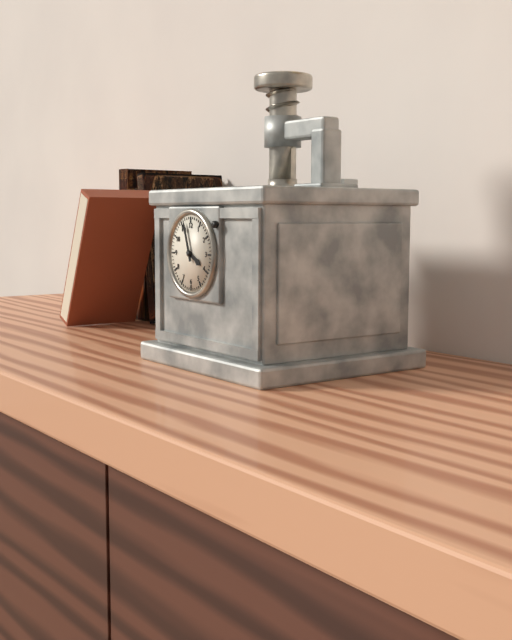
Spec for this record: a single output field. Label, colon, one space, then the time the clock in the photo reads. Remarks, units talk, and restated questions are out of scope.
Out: 3:57
